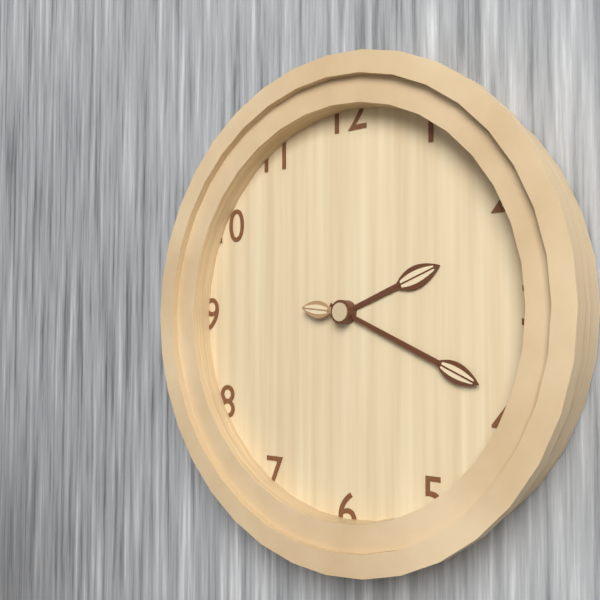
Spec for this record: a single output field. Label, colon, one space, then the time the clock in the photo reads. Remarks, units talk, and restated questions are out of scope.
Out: 2:19:46
